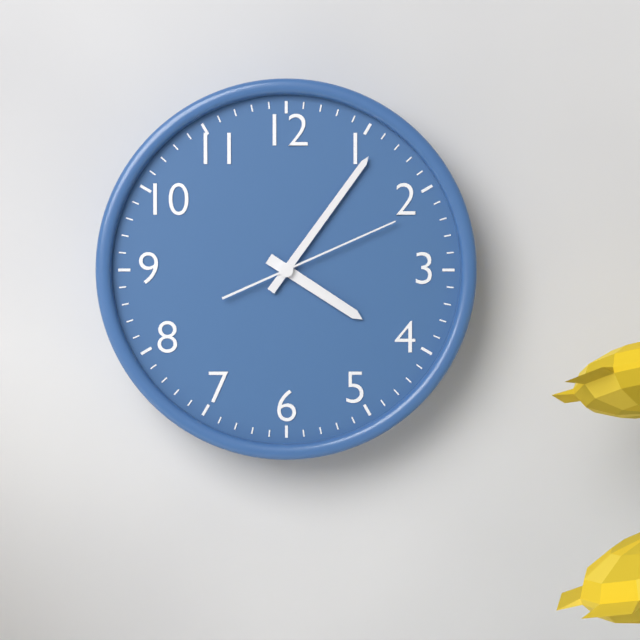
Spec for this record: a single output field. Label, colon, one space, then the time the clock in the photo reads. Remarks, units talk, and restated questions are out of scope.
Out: 4:06:11
